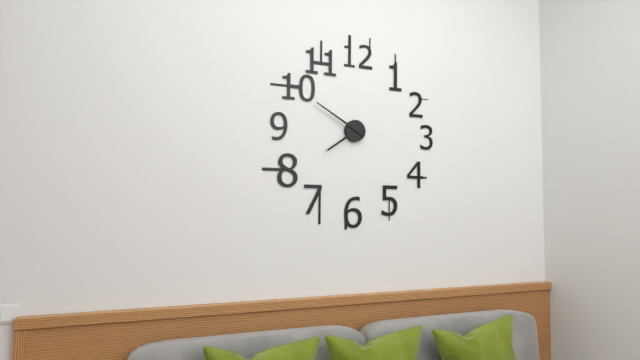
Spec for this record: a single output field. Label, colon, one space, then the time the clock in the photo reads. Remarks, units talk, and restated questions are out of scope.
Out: 7:50
